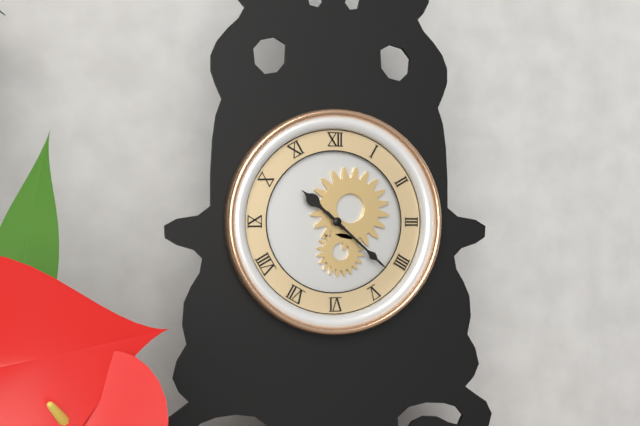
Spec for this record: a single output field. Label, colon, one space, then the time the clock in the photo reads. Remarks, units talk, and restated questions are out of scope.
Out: 10:22
